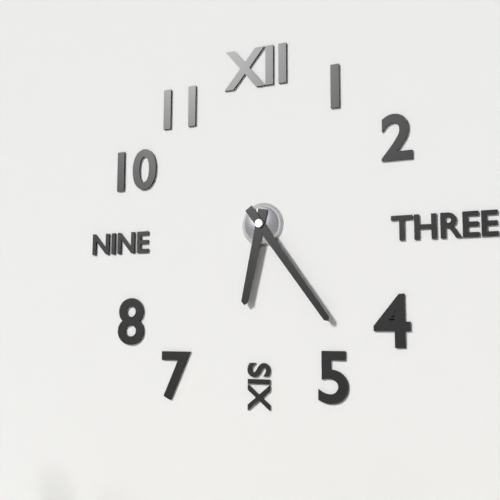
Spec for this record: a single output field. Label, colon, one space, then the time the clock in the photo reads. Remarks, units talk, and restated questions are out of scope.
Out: 6:24
